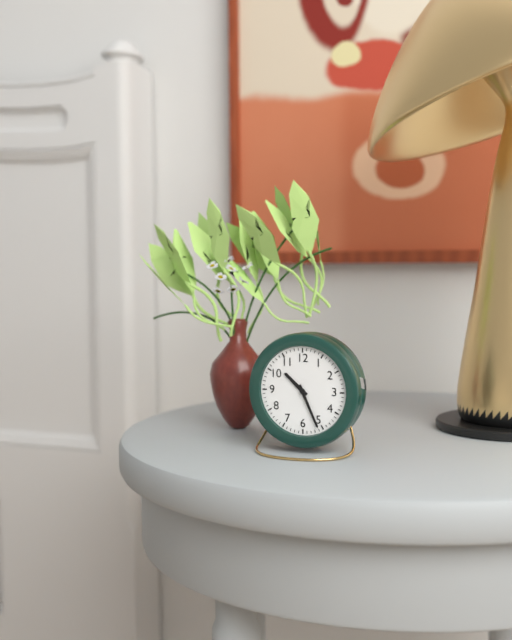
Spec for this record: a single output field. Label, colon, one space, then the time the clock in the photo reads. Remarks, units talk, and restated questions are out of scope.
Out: 10:26
